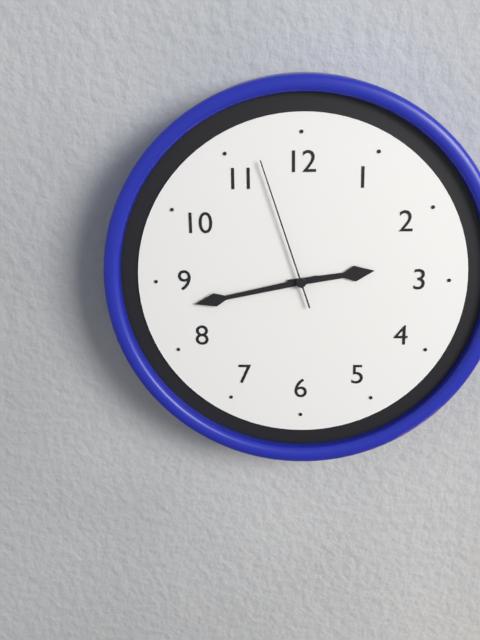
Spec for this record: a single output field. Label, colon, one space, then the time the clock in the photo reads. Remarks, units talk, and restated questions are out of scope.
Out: 2:43:57
